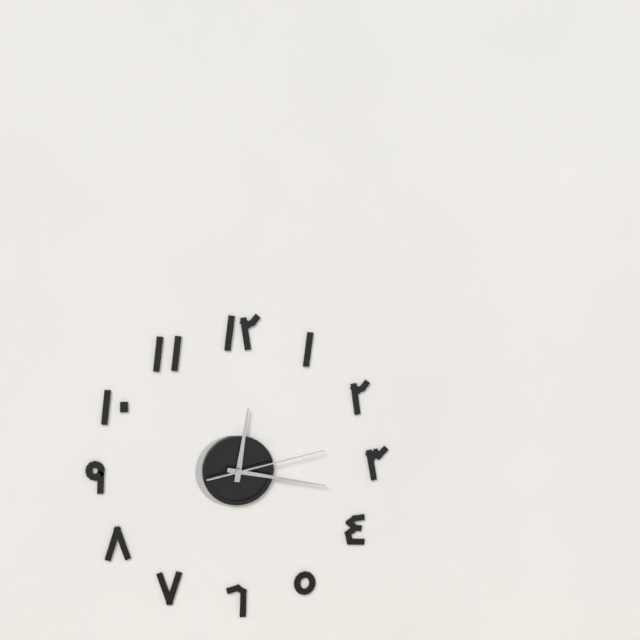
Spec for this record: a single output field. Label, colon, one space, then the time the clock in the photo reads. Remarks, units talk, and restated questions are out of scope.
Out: 12:17:13
